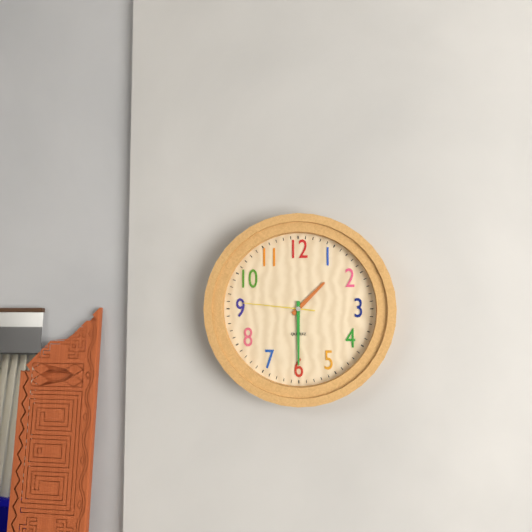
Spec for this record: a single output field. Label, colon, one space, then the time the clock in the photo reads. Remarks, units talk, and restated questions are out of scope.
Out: 1:30:46
